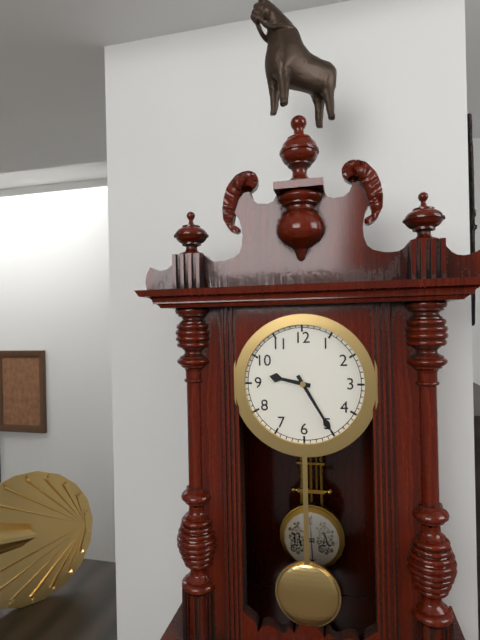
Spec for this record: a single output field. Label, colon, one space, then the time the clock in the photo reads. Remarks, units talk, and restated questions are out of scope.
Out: 9:25
